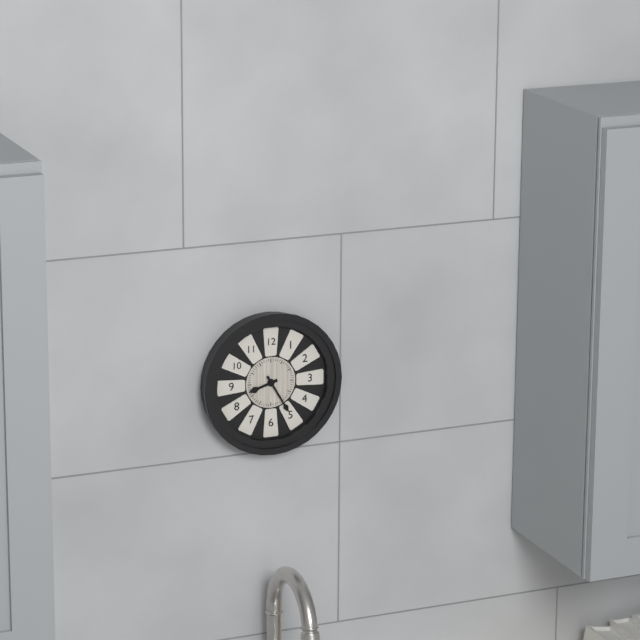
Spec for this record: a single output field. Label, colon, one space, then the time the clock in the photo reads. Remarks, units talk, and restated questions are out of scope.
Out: 8:25
